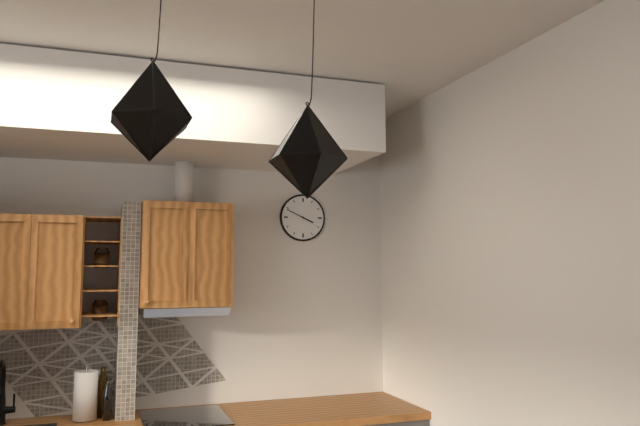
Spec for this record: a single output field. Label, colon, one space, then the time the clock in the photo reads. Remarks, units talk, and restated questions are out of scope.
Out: 3:49
